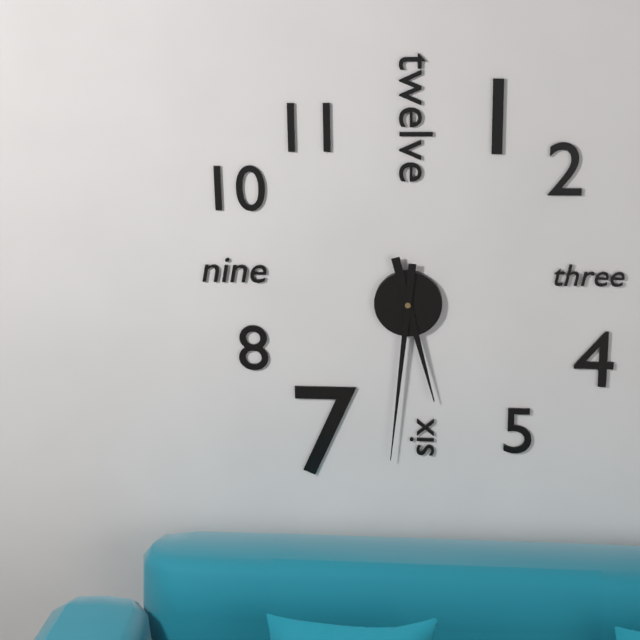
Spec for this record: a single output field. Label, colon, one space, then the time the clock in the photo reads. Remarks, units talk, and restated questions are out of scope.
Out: 5:31
